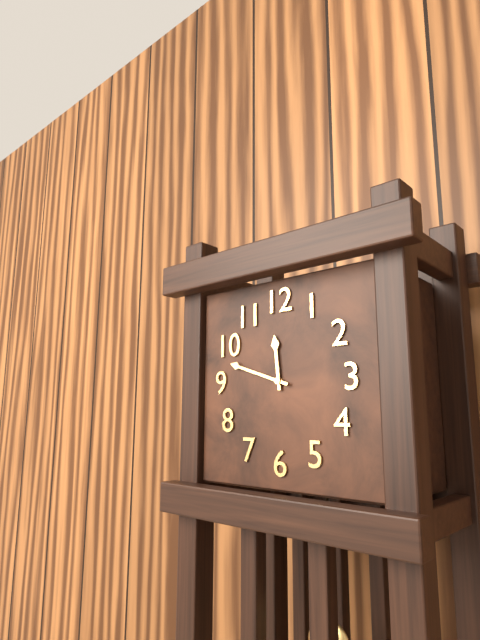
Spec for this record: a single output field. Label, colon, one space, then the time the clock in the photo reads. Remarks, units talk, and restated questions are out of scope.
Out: 11:48
